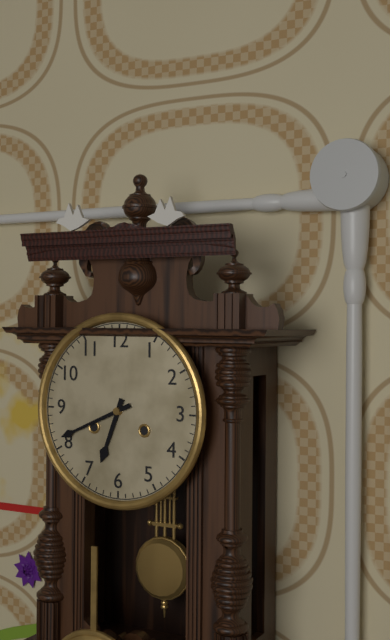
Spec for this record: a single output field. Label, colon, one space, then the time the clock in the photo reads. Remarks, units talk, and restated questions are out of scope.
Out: 6:41
